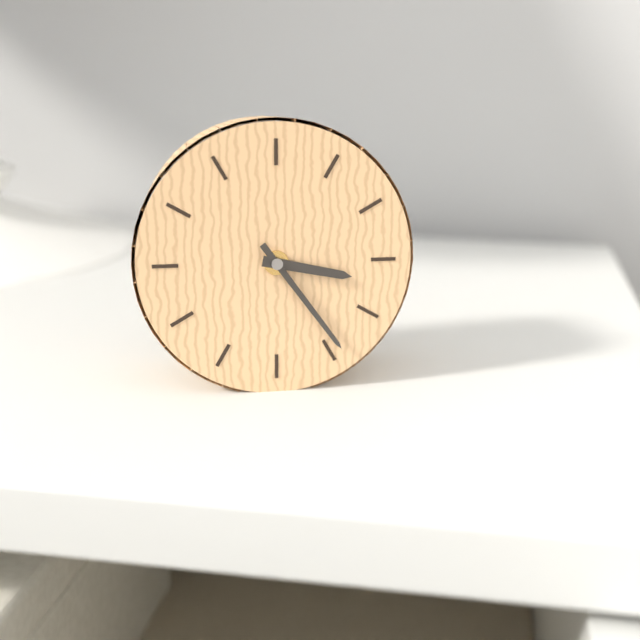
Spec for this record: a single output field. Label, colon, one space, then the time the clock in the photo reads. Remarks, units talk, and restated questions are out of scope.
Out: 3:24
